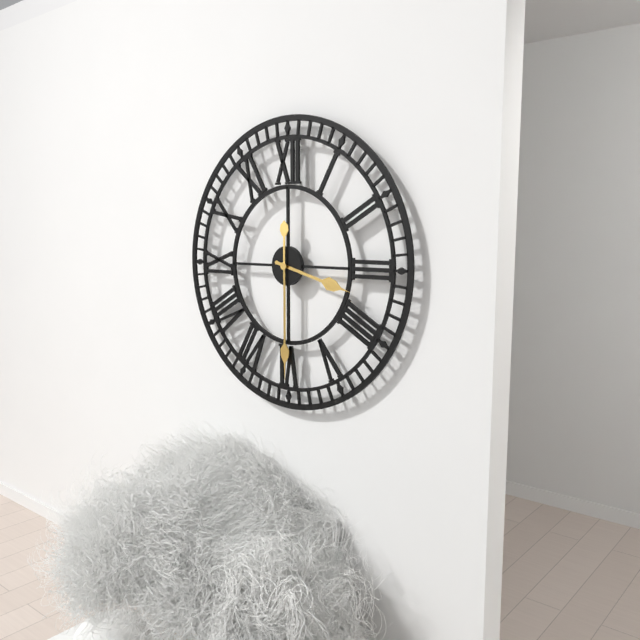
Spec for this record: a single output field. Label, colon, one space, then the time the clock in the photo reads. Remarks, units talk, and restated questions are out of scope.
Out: 3:30
